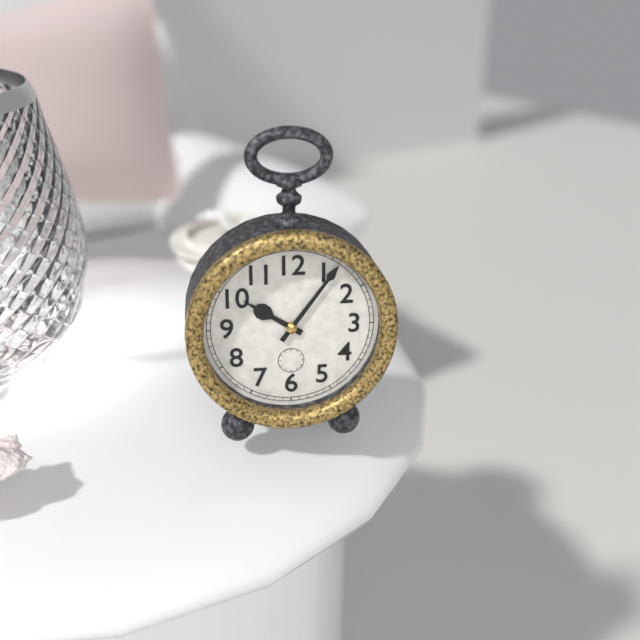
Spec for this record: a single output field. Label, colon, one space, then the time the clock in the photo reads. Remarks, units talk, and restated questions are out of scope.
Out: 10:06
